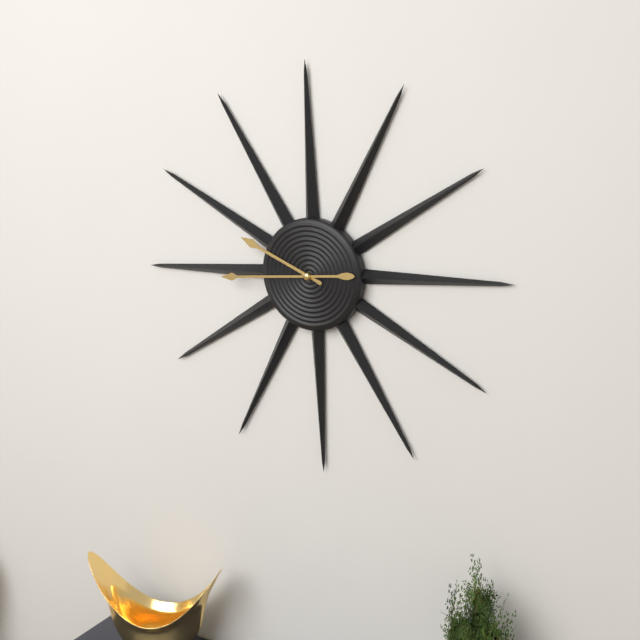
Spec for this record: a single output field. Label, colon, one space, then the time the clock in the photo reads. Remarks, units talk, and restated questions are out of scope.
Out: 9:44
